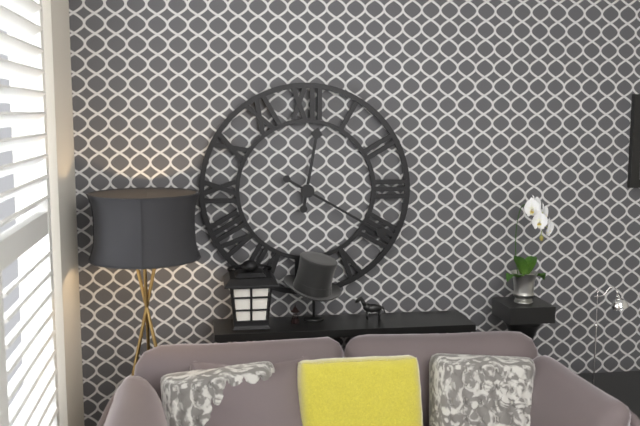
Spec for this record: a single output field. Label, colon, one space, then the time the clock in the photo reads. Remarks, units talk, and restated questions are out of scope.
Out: 12:20
